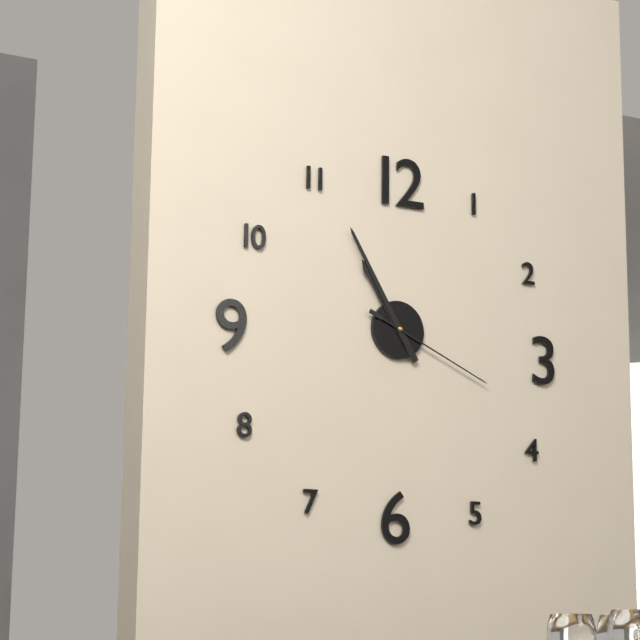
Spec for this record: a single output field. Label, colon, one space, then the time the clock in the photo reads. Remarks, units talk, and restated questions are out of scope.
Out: 10:55:19
